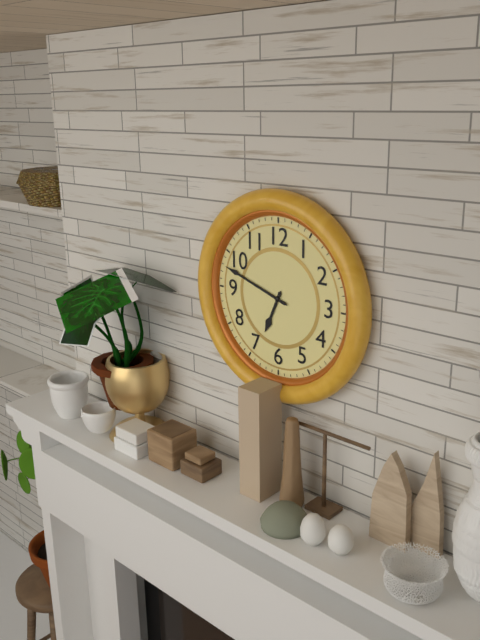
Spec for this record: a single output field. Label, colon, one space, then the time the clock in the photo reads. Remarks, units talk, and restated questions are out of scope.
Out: 6:48
